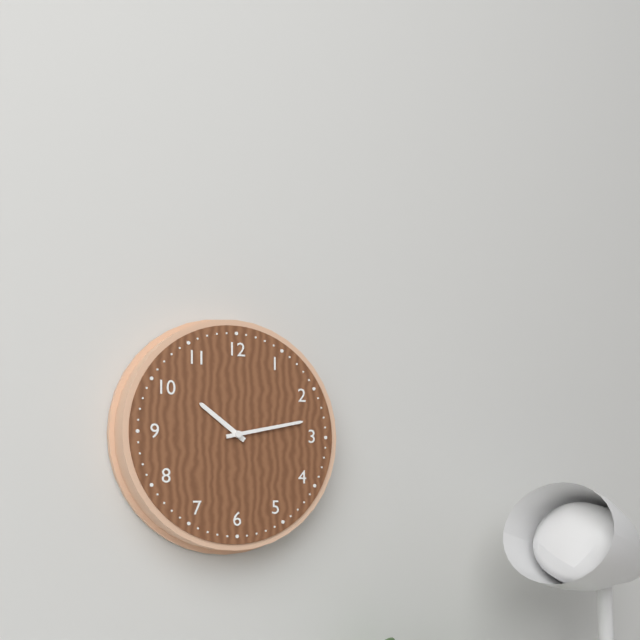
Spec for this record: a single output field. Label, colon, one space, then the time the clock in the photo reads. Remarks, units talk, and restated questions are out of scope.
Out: 10:13
